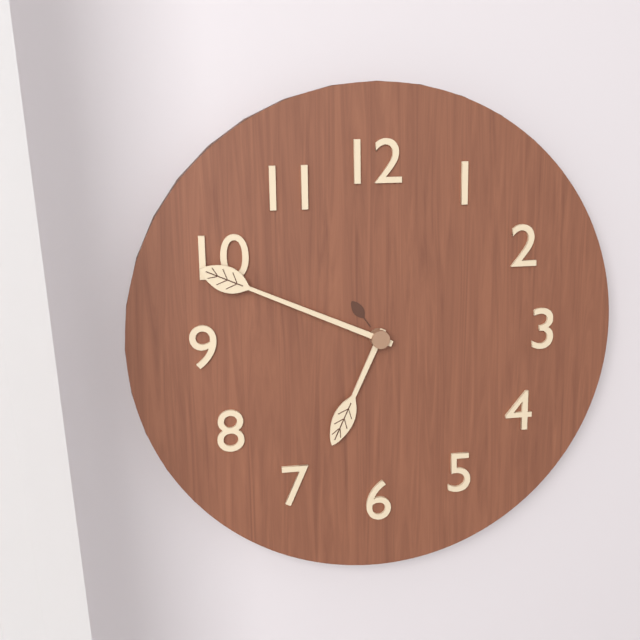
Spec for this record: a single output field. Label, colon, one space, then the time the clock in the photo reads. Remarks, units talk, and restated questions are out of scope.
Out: 6:49
